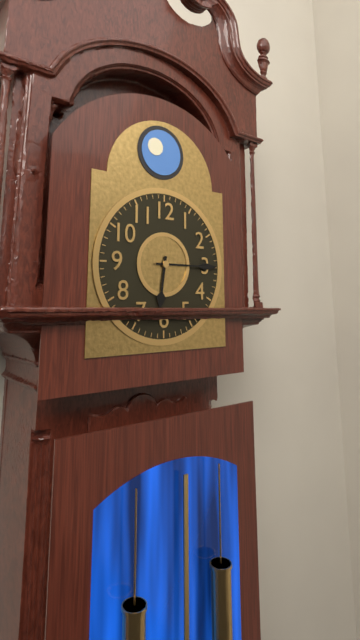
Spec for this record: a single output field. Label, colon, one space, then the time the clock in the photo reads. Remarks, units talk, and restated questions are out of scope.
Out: 6:15
